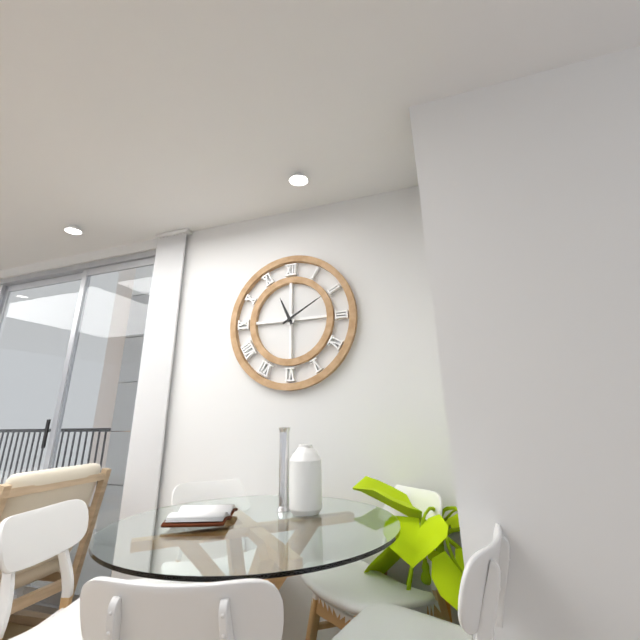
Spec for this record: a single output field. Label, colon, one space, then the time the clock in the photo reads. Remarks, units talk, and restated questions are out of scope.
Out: 11:10
